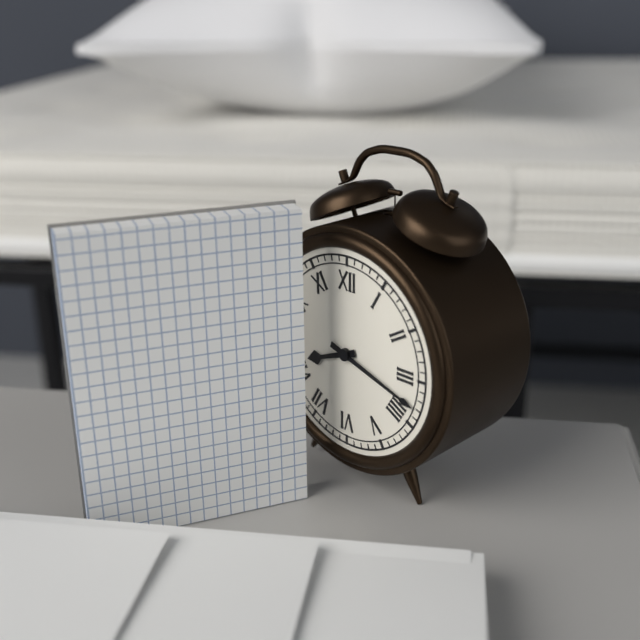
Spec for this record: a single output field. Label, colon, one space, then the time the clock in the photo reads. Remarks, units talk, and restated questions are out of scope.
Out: 8:18
